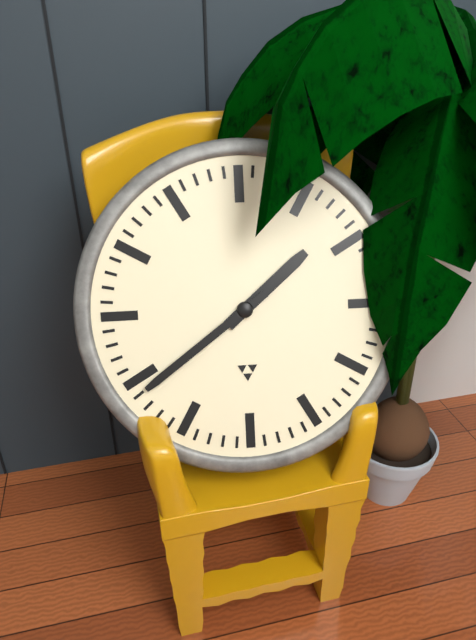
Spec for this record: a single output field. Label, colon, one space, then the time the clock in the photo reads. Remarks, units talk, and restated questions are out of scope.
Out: 1:39
